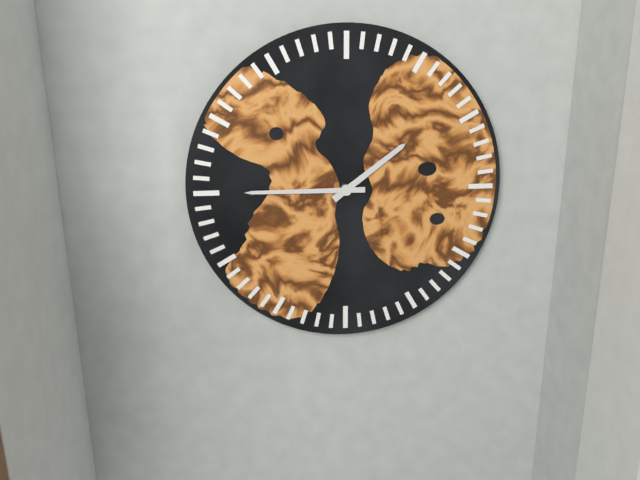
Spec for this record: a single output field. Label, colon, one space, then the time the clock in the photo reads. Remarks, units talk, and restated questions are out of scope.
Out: 1:45
